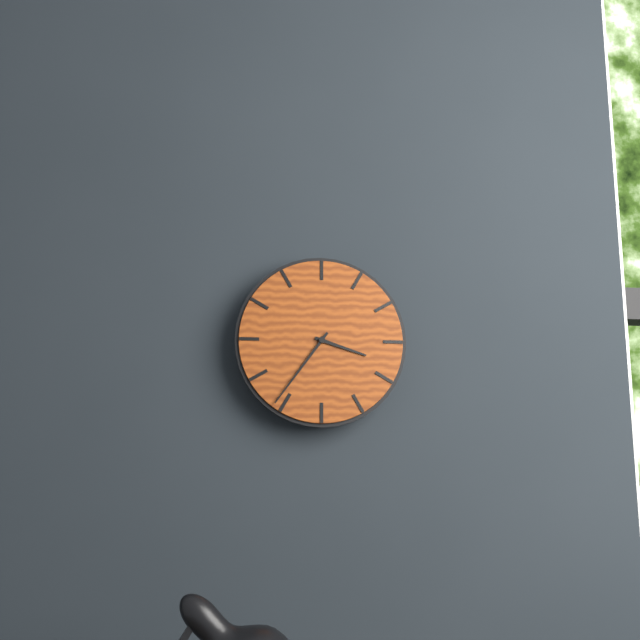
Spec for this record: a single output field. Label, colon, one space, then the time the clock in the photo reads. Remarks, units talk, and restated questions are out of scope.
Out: 3:36
